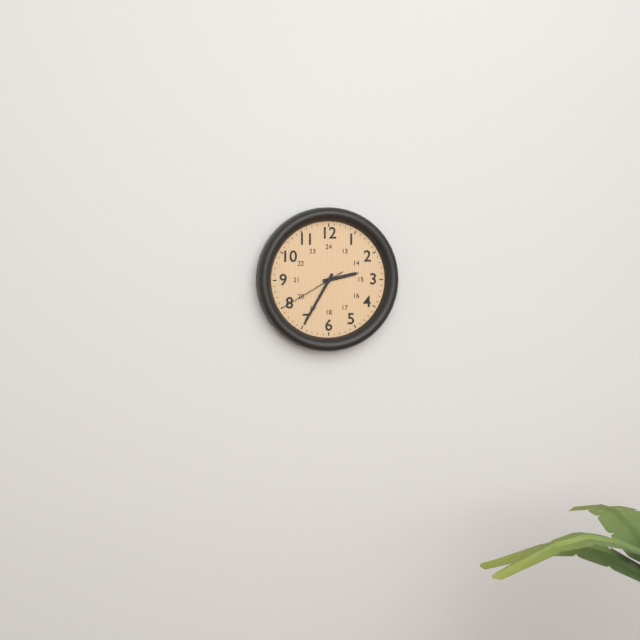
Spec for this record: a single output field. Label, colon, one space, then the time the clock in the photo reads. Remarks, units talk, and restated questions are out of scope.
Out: 2:35:40
